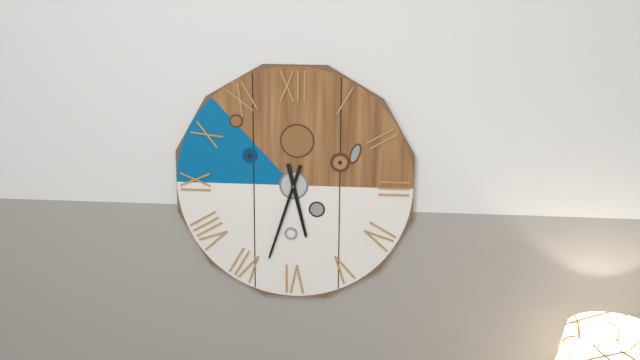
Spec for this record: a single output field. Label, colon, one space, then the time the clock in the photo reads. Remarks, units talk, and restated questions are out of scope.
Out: 5:33
